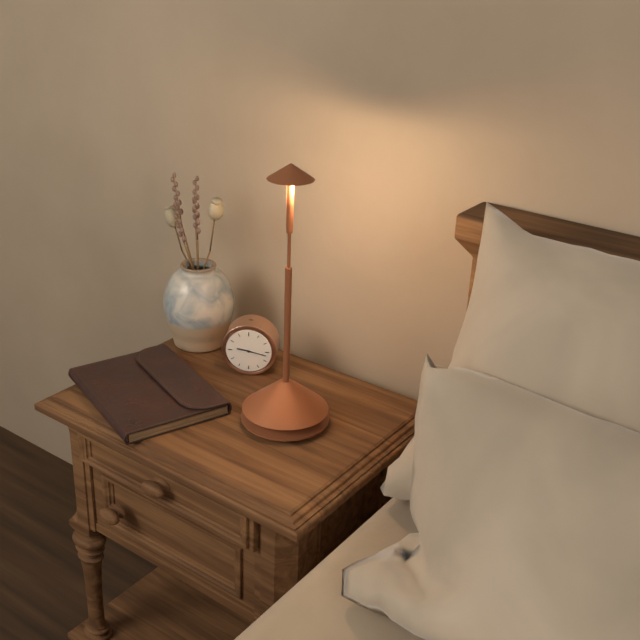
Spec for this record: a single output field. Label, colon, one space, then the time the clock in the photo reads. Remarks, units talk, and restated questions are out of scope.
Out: 9:17
